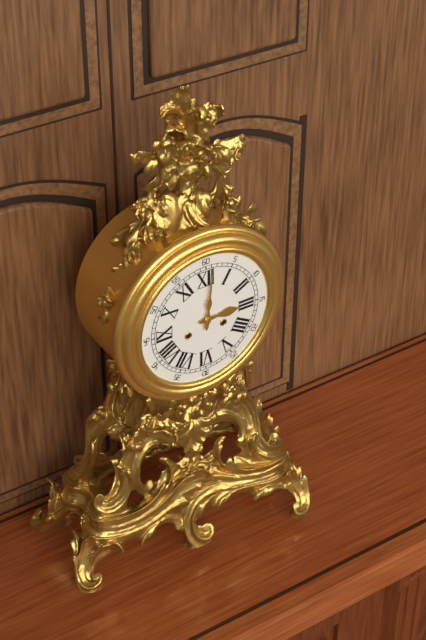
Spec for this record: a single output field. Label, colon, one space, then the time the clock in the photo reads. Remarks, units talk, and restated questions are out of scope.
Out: 3:01
